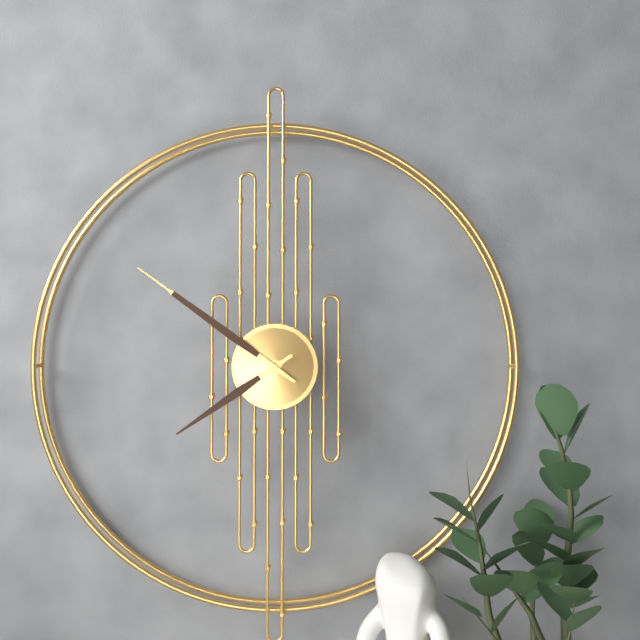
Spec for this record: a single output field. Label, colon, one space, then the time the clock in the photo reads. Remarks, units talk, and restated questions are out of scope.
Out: 7:51
